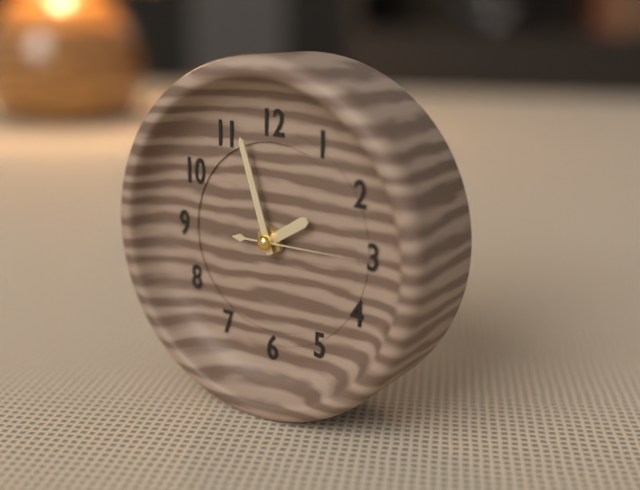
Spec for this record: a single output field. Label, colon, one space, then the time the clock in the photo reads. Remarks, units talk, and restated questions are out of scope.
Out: 1:57:15
